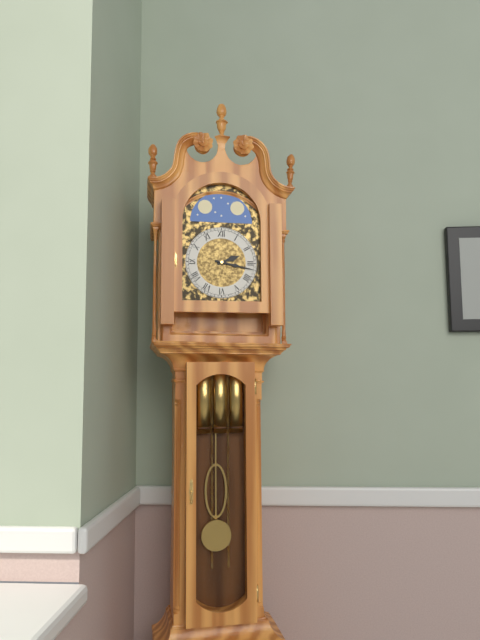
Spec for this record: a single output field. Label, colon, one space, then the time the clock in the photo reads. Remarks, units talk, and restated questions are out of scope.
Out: 2:17
